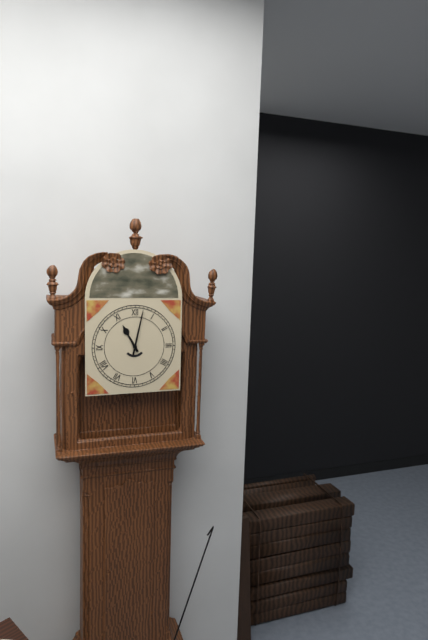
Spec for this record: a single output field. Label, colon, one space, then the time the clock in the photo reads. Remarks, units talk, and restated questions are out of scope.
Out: 11:02
